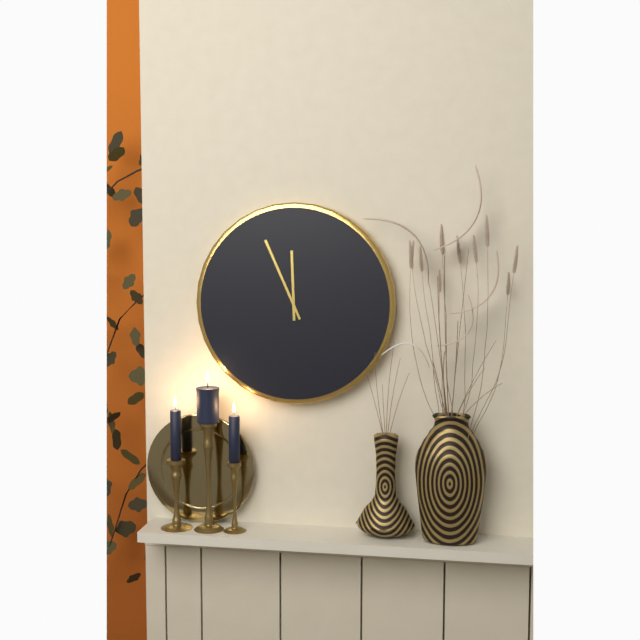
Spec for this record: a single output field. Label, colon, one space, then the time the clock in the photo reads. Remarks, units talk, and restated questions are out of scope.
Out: 11:56
